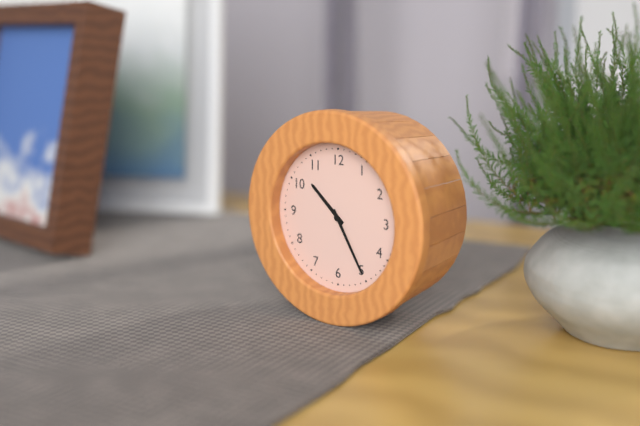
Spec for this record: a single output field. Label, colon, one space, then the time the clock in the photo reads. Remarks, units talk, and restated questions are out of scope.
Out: 10:25
